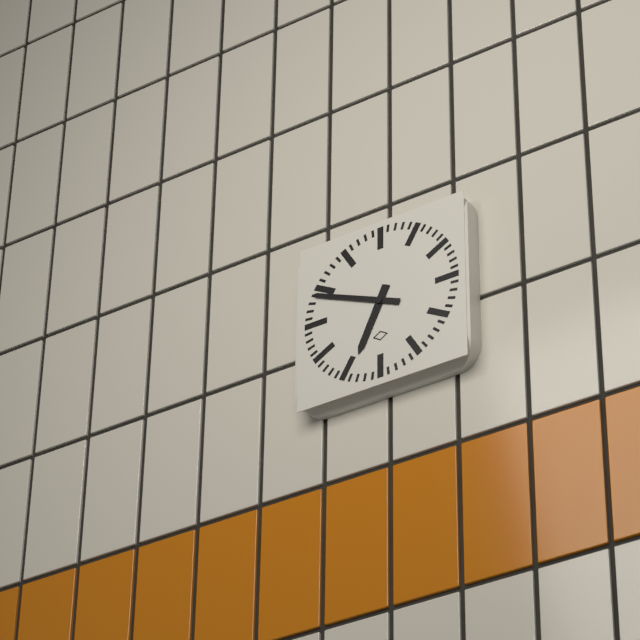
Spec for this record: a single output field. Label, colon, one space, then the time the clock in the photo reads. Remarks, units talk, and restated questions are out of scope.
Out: 6:49
